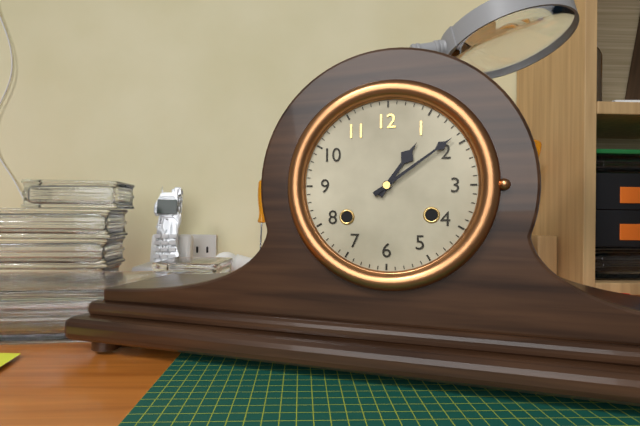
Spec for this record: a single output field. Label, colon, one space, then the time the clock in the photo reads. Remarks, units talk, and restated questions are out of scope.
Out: 1:09
